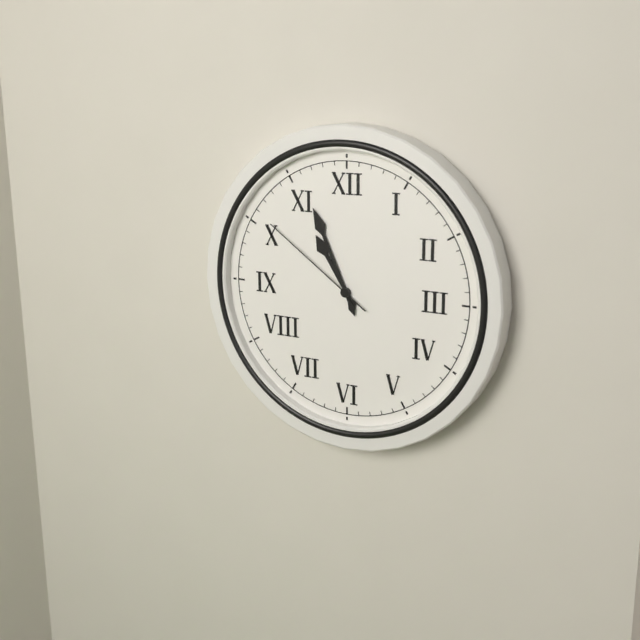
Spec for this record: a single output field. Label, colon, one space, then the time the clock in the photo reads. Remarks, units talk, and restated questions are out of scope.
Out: 10:56:51
